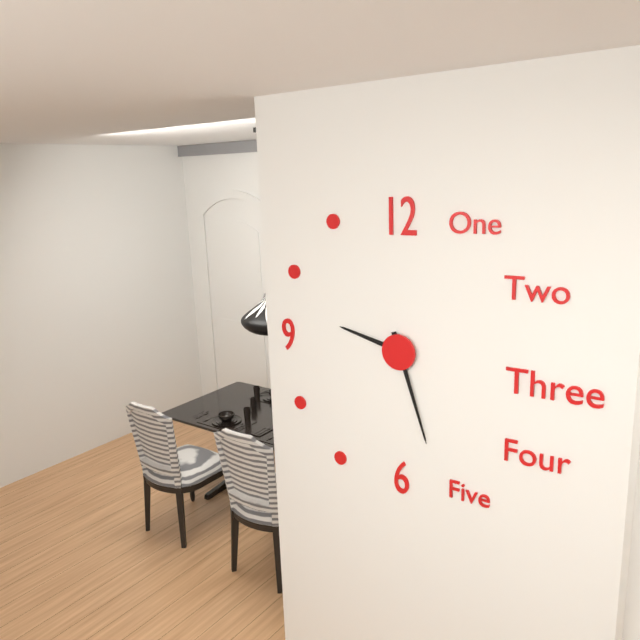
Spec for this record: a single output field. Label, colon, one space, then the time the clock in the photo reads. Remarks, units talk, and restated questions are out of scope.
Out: 9:27
